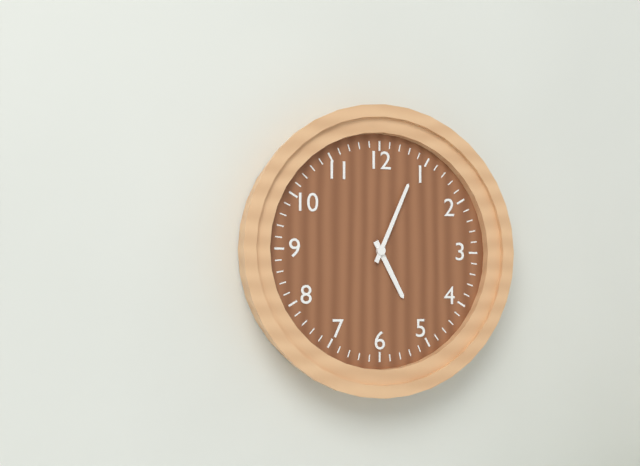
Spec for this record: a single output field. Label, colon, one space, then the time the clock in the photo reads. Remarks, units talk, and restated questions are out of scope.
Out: 5:04
